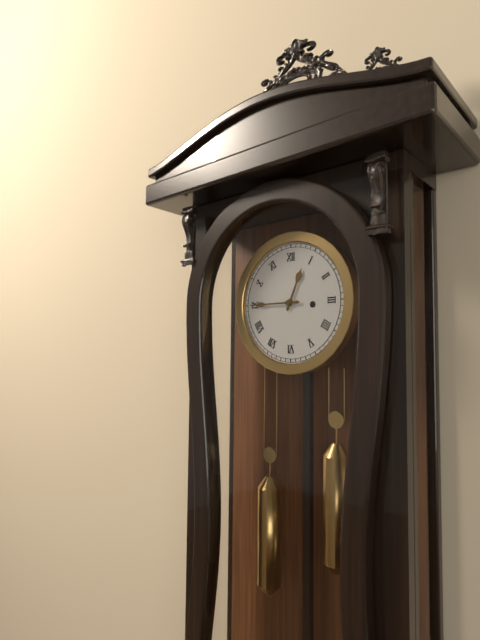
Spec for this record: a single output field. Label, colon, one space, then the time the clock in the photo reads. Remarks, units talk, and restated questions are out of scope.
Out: 12:45
